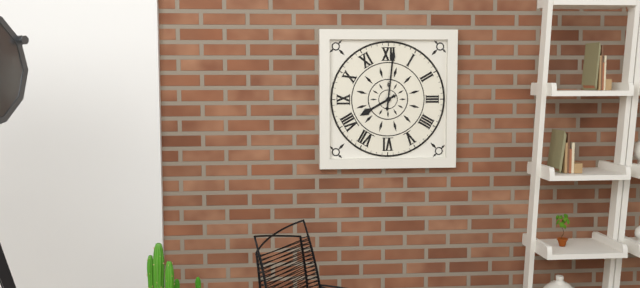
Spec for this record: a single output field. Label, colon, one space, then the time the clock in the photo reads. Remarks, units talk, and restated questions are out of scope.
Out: 8:01
